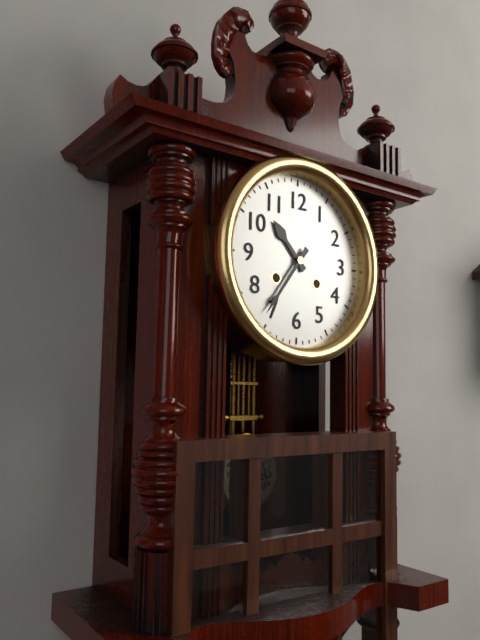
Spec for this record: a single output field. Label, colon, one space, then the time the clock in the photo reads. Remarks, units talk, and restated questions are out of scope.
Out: 10:36
